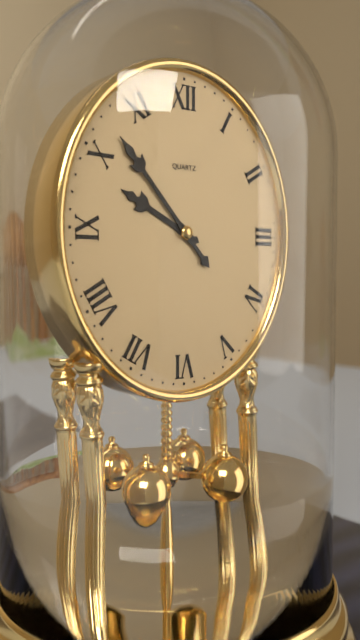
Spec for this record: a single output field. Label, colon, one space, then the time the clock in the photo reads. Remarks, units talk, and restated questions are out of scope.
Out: 9:53
